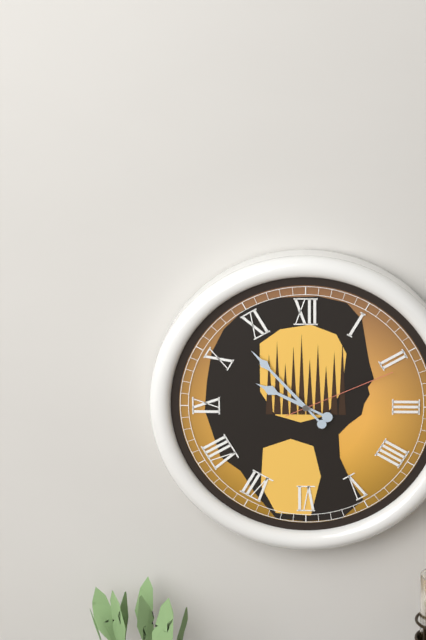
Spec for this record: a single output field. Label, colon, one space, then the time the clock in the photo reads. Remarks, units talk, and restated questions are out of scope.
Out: 9:53:11
